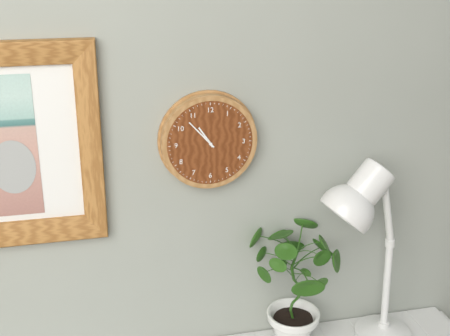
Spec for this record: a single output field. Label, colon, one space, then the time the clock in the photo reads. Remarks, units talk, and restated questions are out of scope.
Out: 10:53
